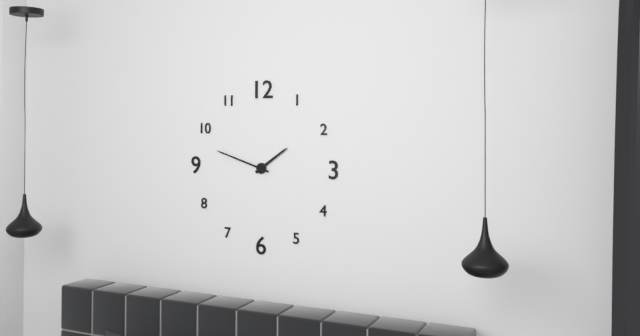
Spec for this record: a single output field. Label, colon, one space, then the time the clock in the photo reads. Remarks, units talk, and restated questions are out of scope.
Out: 1:48
